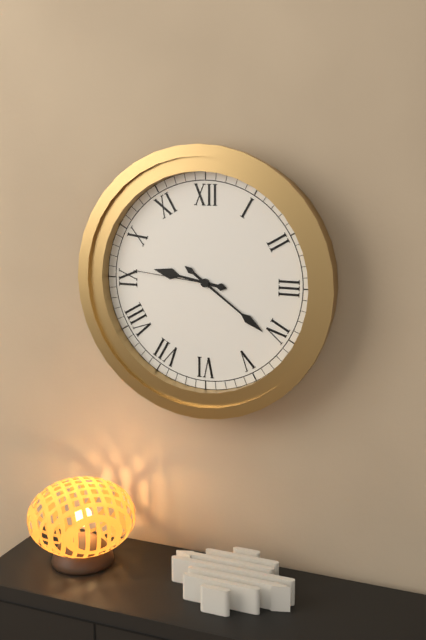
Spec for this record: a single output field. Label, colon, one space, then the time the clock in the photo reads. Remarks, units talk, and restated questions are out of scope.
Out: 9:21:46
